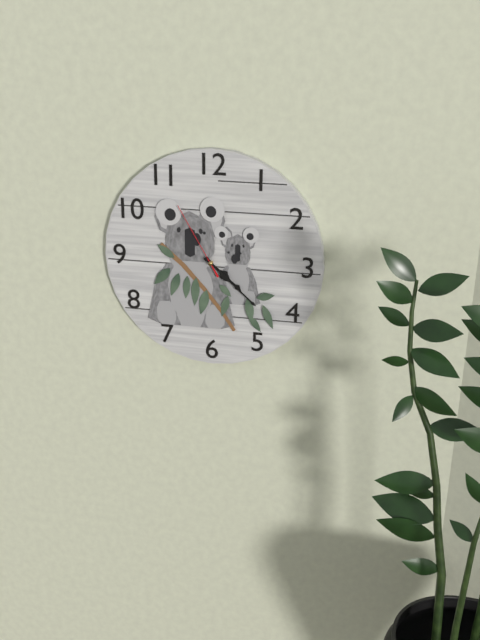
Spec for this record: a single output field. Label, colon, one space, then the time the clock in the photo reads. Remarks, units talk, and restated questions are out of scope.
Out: 4:22:55
